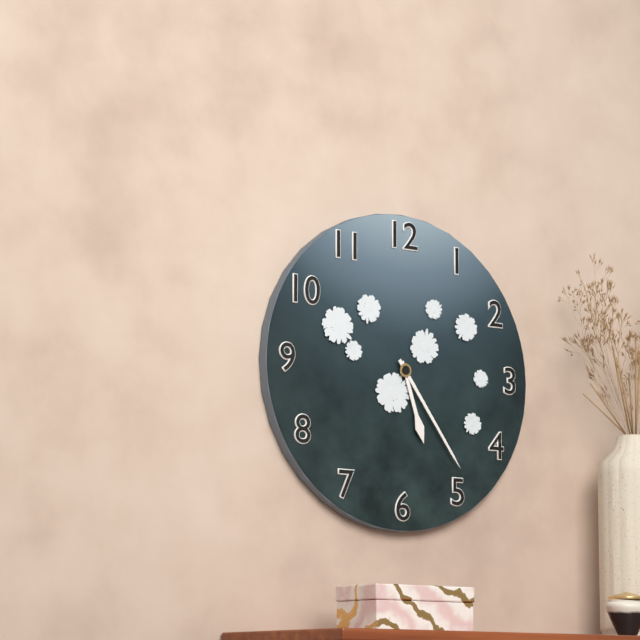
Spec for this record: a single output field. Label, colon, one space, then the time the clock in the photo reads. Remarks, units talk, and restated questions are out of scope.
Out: 5:24
